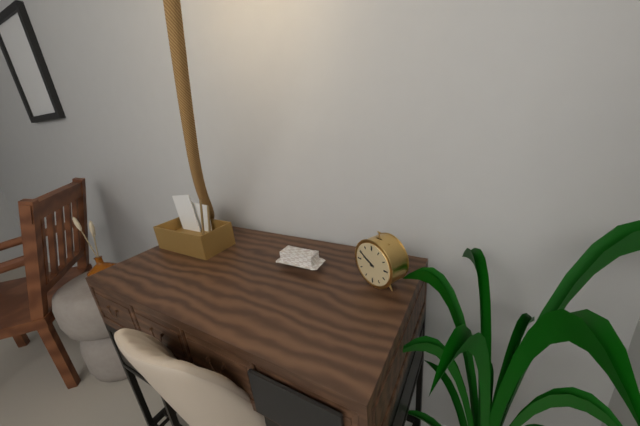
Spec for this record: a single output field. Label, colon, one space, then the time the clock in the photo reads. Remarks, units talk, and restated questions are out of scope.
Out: 9:50
